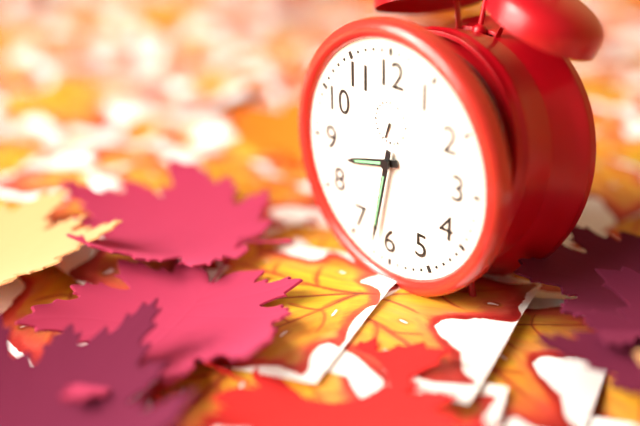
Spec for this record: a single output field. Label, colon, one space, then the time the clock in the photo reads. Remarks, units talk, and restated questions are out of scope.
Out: 8:32
